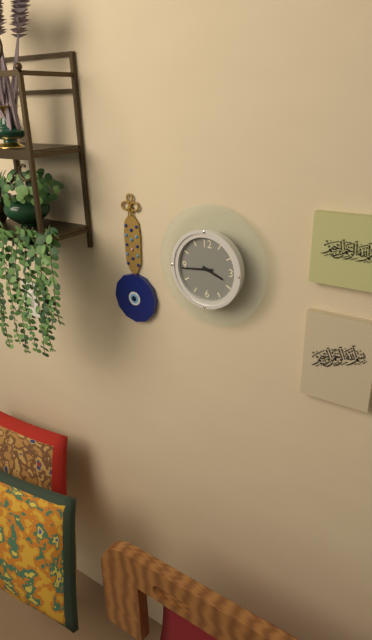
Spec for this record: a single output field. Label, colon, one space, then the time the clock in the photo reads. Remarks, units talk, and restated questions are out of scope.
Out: 3:44
